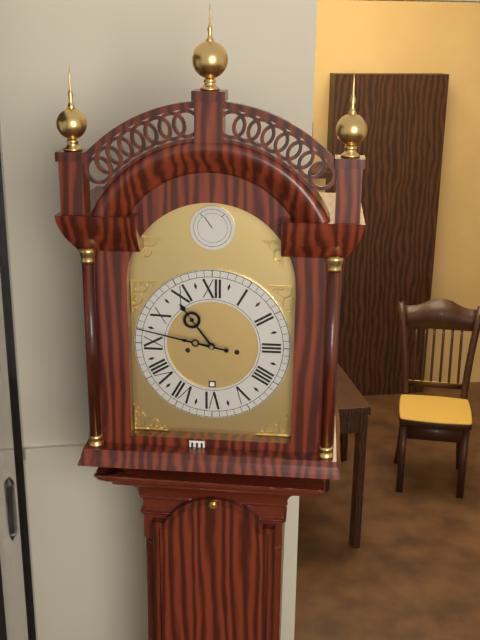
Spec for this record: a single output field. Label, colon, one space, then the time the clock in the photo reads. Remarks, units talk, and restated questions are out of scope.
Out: 10:47
